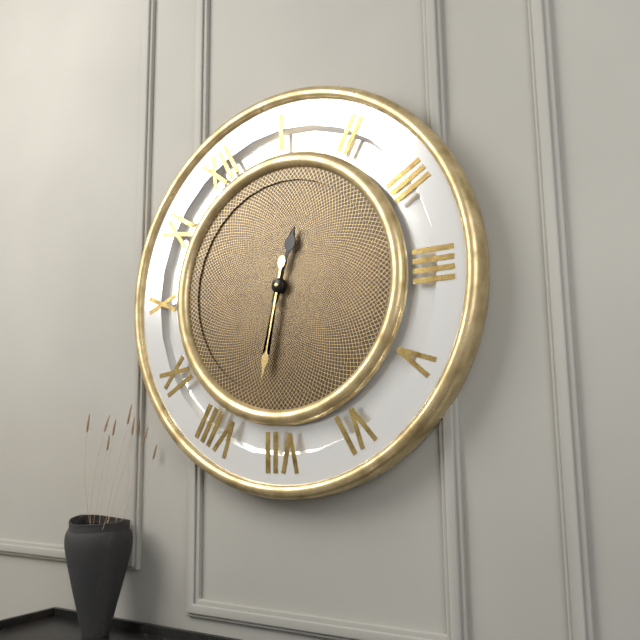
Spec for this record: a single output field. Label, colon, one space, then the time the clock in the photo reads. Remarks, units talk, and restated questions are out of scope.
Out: 1:37
